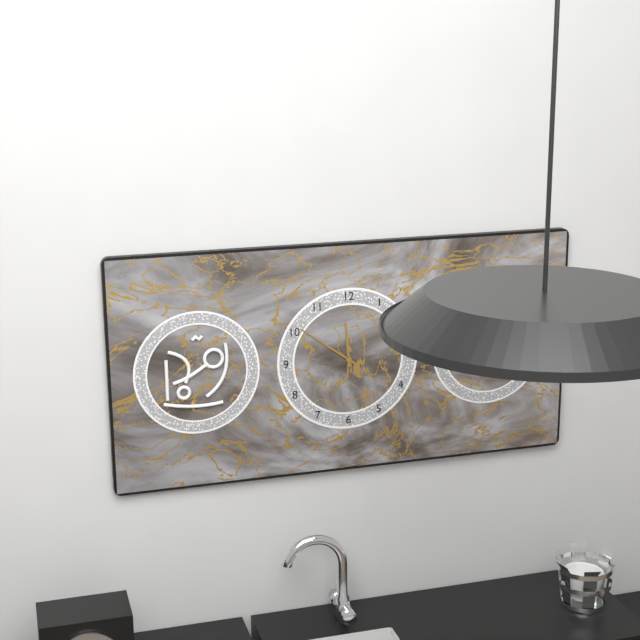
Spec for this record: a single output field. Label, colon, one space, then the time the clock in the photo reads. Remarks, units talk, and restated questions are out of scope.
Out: 11:51
